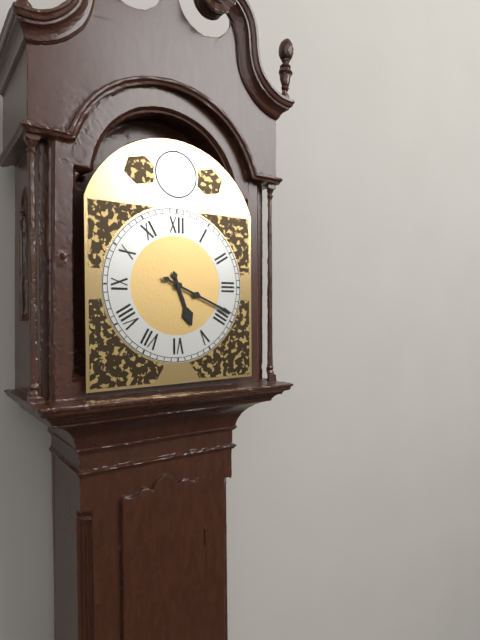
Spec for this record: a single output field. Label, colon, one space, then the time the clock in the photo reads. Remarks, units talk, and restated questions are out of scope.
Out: 5:19
